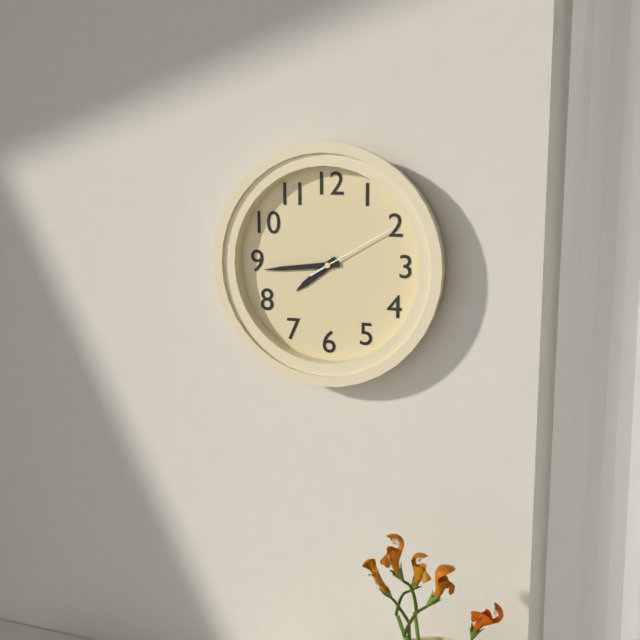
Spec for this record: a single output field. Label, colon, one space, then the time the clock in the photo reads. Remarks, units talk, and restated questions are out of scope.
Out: 7:44:10
